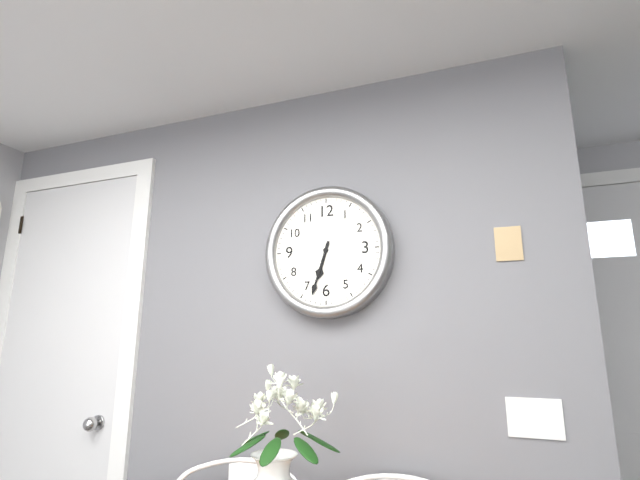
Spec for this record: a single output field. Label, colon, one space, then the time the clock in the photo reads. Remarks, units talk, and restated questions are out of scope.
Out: 6:33
